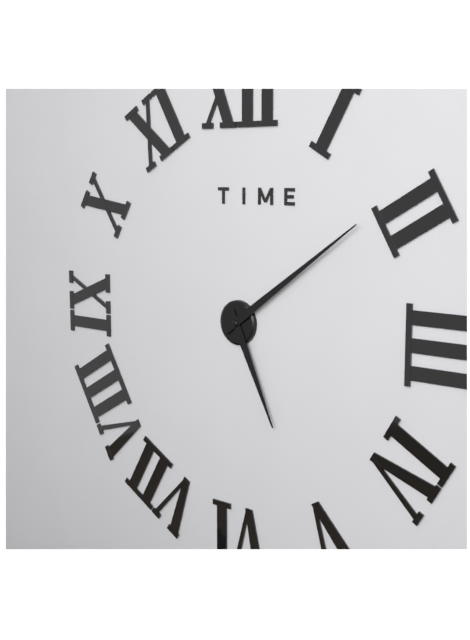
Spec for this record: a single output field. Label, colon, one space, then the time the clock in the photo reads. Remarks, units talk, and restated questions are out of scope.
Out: 5:09
